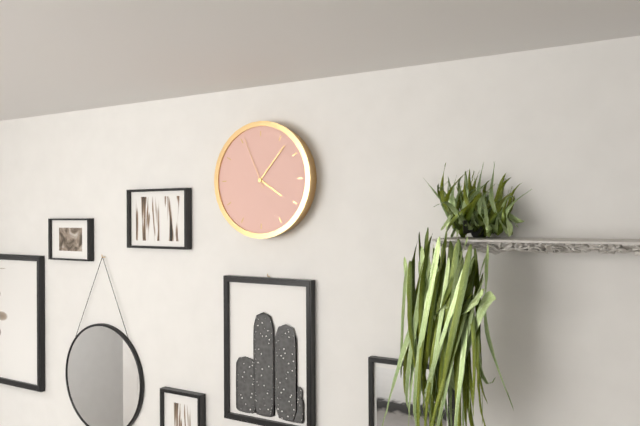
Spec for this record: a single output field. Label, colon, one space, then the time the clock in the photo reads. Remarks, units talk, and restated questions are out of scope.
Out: 4:07:56
